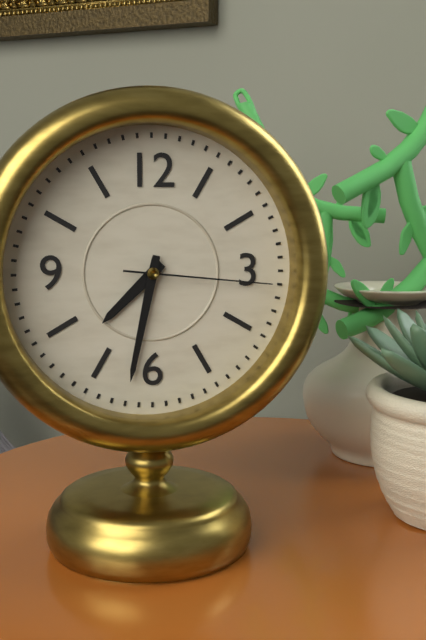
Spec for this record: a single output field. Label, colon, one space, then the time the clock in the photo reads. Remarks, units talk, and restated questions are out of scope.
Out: 7:32:16
